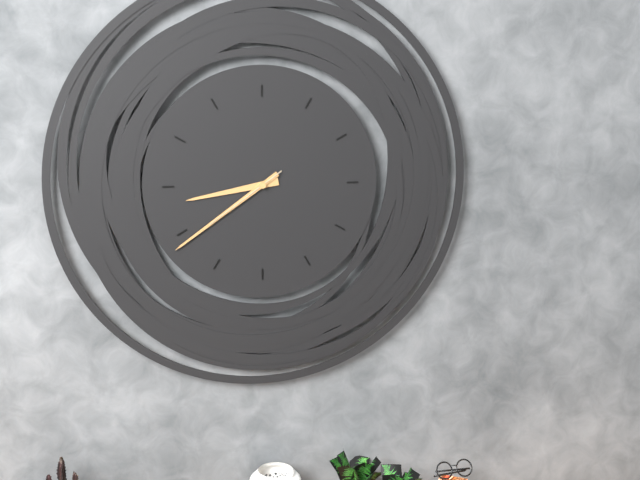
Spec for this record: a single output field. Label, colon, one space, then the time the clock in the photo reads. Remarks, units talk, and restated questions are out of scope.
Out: 8:39:39
